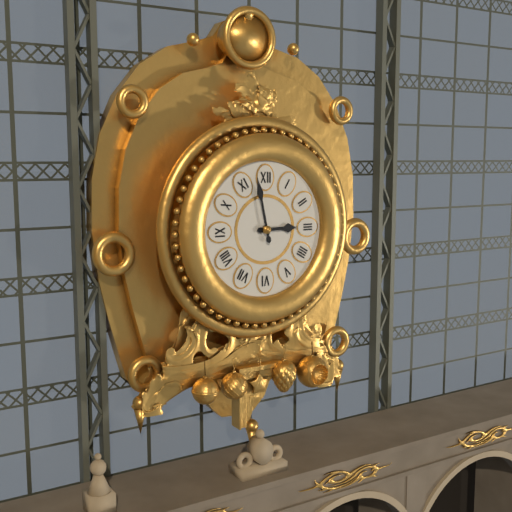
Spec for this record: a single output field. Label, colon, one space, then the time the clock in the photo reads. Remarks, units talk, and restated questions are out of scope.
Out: 2:58
